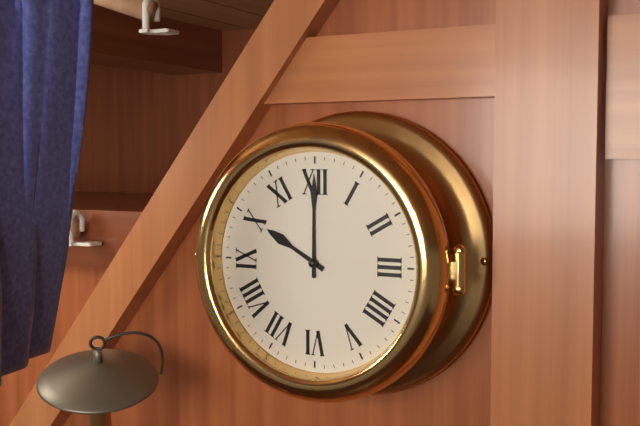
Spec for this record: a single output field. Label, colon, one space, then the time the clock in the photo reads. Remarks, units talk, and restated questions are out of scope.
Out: 10:00
